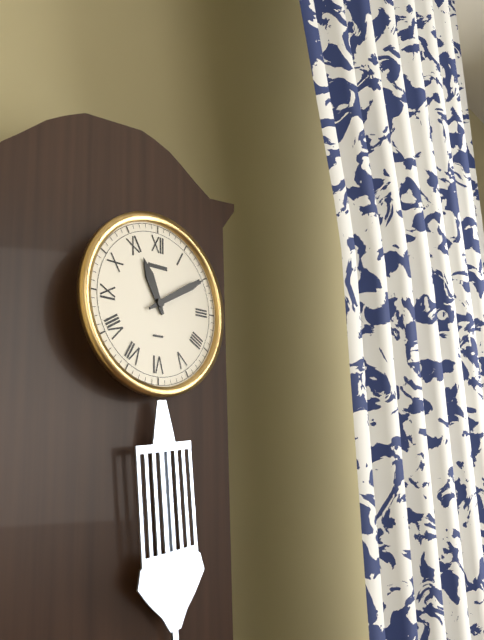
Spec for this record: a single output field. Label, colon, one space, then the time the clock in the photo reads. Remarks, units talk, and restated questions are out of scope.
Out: 11:10
